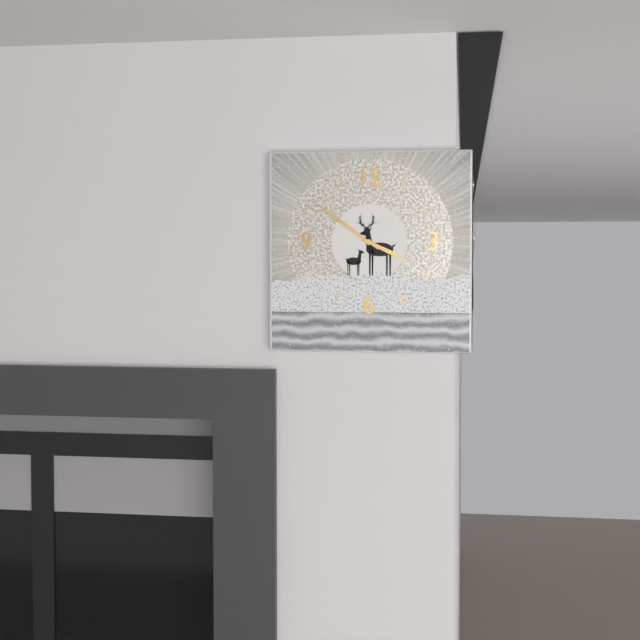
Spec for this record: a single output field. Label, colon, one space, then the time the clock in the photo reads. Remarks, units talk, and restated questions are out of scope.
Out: 3:51
